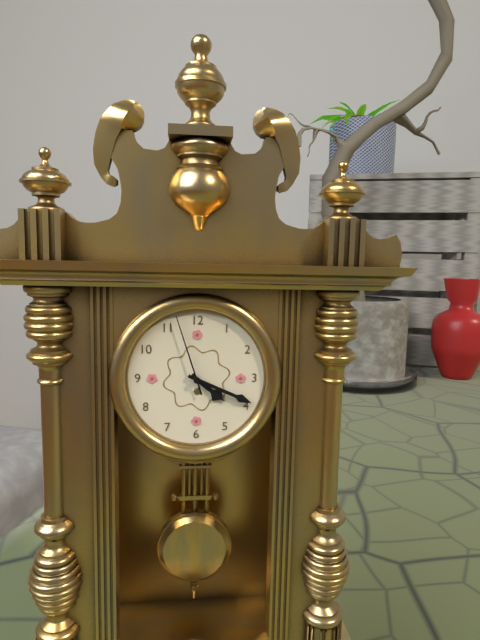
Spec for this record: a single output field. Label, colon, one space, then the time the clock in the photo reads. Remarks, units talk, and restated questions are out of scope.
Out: 4:19:57
